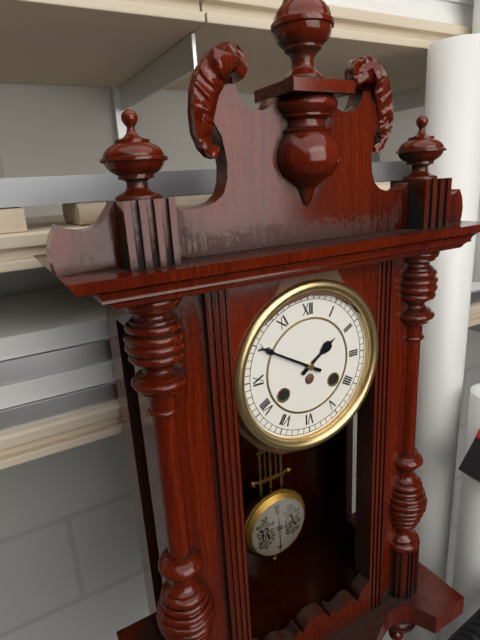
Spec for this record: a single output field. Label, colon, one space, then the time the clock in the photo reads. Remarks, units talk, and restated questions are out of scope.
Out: 1:50
